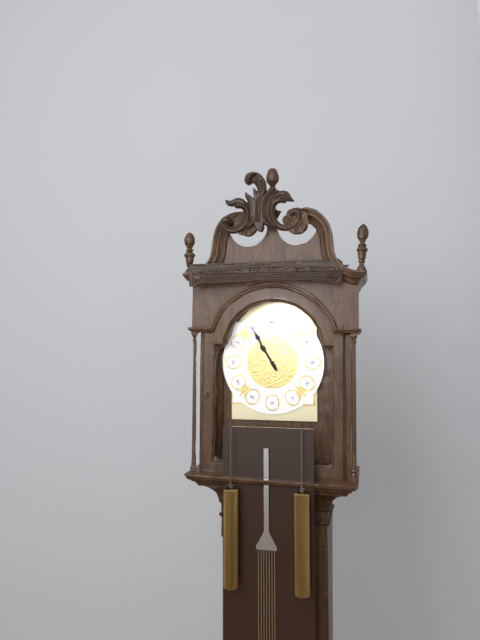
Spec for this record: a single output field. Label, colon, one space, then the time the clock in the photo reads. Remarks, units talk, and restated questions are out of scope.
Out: 10:55
